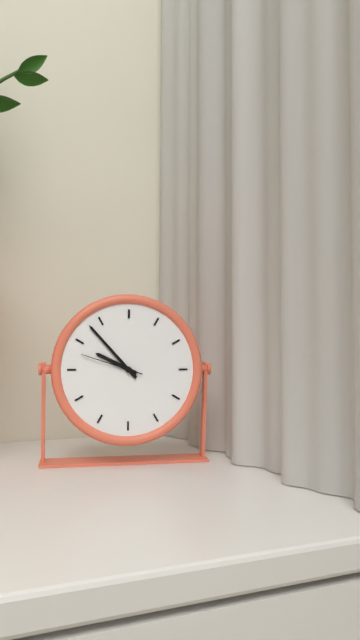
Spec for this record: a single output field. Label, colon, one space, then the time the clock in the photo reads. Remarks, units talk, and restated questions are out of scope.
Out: 9:53:48
